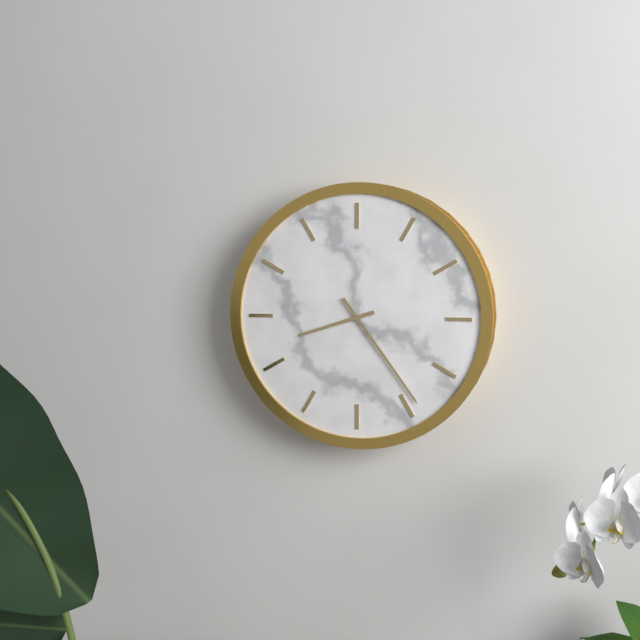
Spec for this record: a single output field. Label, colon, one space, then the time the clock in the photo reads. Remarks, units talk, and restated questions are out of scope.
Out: 8:24
